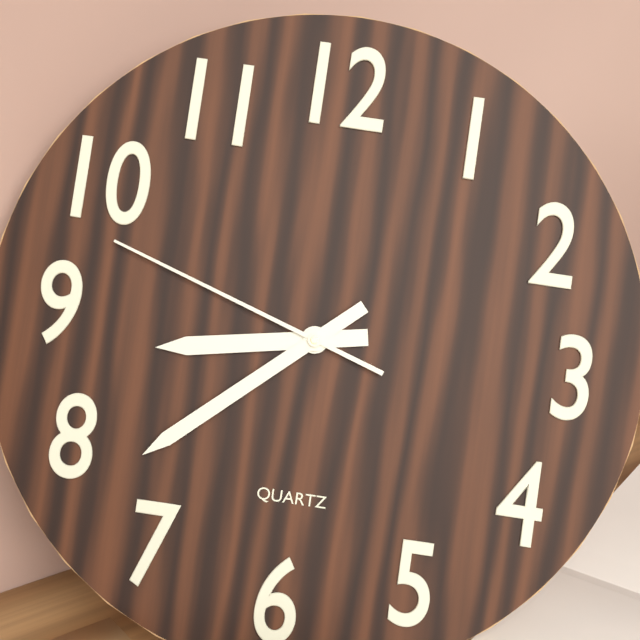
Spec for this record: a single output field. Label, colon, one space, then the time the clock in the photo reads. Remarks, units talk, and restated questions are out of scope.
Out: 8:38:48
